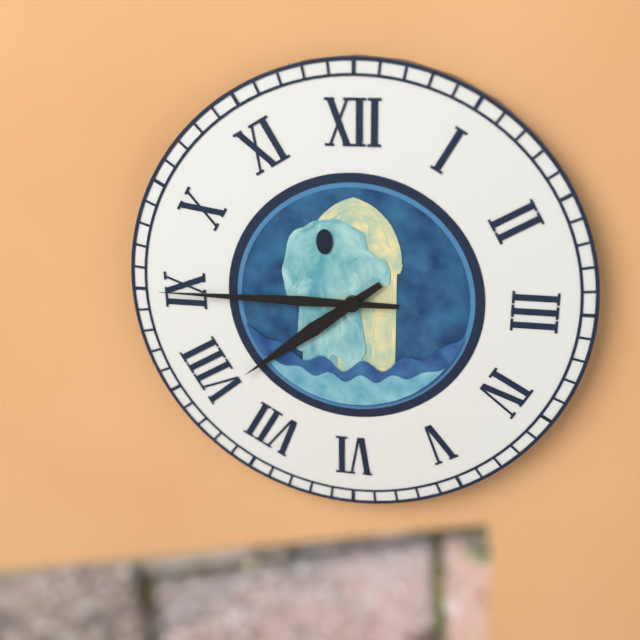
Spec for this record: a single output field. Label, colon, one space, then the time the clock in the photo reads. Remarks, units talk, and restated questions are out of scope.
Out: 7:45
